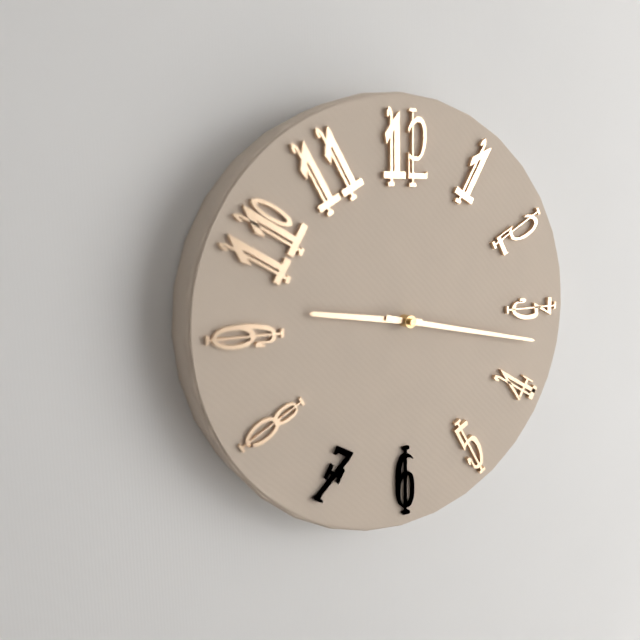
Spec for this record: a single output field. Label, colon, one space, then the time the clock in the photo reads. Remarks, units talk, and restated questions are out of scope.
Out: 9:17
